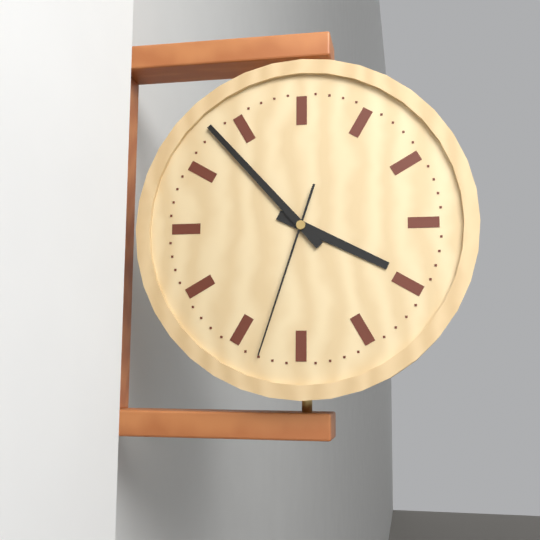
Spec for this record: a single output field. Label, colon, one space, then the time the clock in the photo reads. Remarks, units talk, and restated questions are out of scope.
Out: 3:53:33
